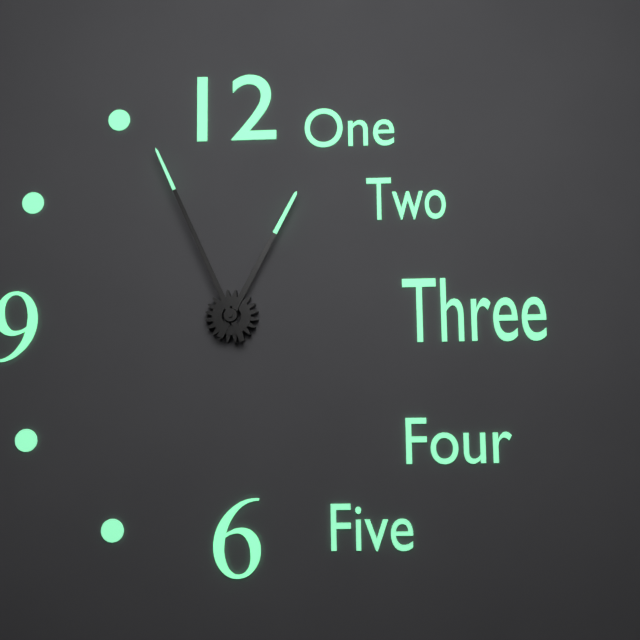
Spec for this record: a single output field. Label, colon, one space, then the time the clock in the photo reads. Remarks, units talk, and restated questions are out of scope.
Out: 12:56
